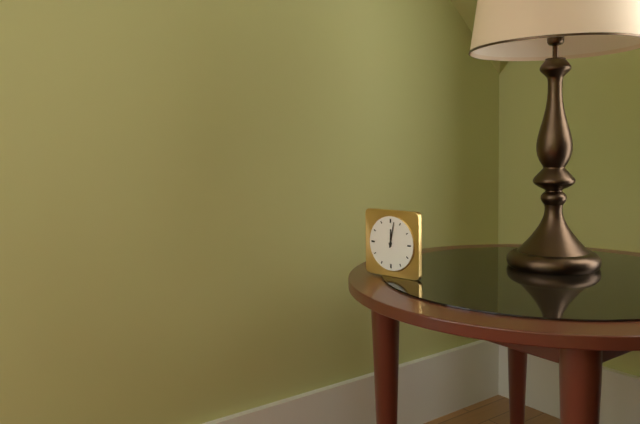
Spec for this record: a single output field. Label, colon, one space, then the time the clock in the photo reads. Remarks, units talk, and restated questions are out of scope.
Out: 12:02
